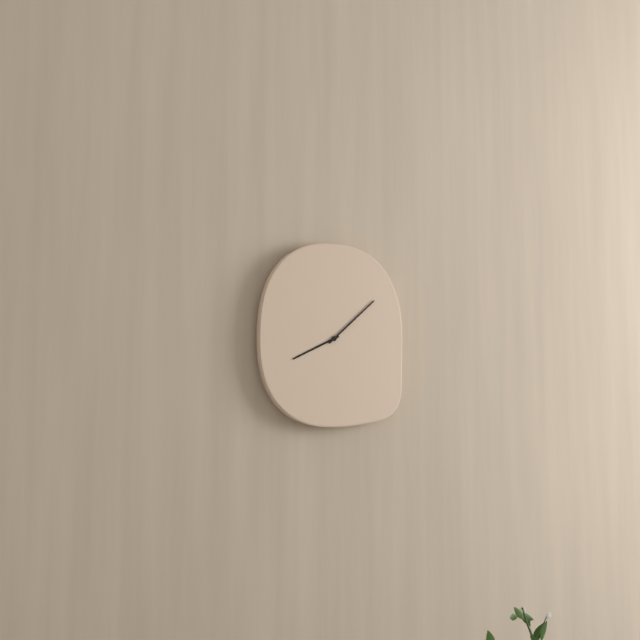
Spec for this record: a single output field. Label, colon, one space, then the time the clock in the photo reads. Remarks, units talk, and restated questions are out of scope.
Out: 8:08
